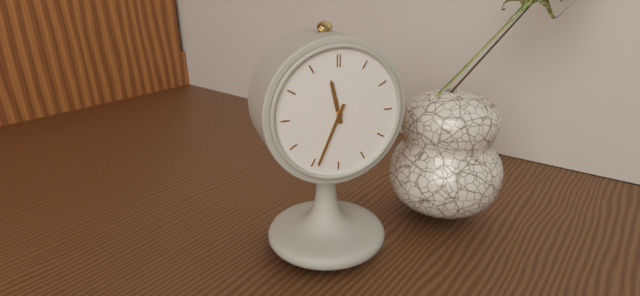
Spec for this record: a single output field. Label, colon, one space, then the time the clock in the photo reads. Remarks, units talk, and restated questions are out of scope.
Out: 11:34
